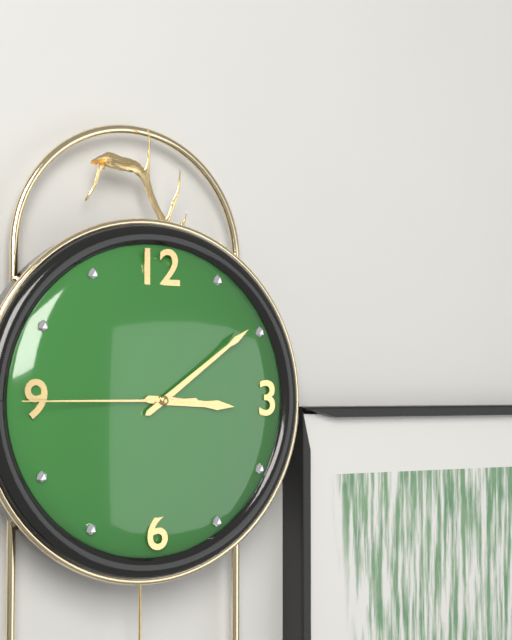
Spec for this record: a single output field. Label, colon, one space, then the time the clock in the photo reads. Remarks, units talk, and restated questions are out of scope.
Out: 3:09:45
